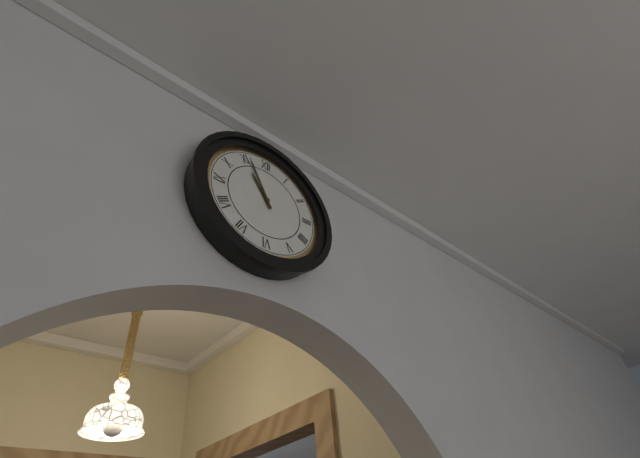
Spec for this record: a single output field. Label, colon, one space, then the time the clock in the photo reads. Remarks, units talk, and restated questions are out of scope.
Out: 10:56
